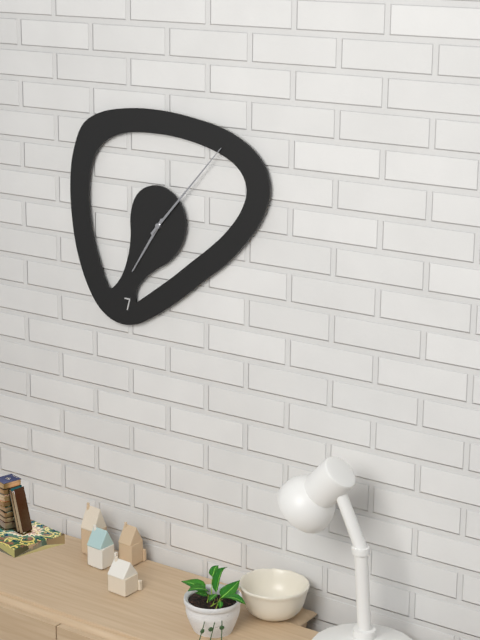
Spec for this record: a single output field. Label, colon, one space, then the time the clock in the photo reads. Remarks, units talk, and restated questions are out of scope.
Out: 7:07
